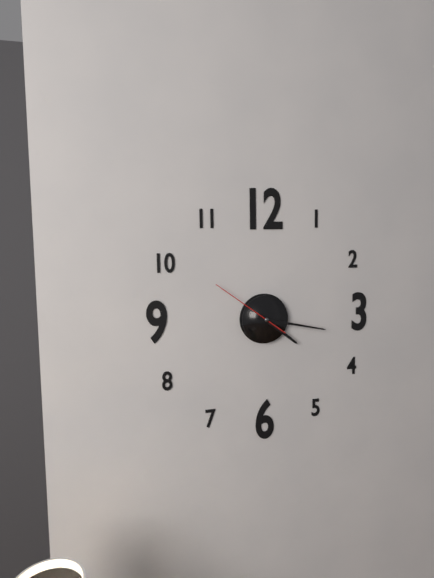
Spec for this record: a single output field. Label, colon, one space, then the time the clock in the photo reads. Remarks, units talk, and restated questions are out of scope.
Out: 4:17:51
